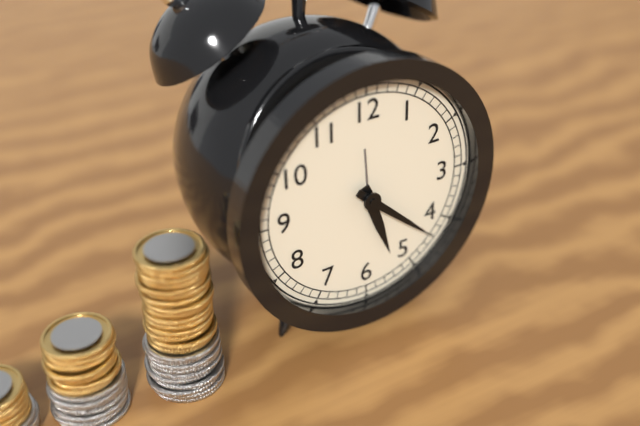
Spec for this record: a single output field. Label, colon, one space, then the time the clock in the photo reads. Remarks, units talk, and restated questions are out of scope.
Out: 5:22
